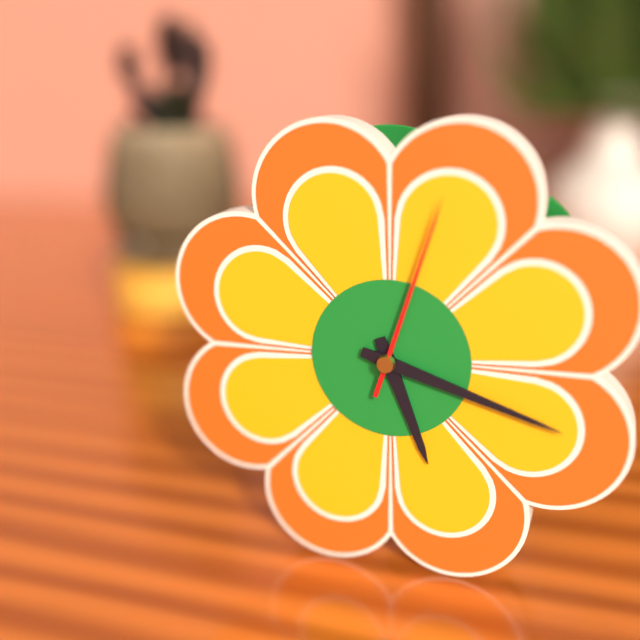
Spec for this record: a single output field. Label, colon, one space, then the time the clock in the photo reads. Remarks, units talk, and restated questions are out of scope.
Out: 5:18:03
